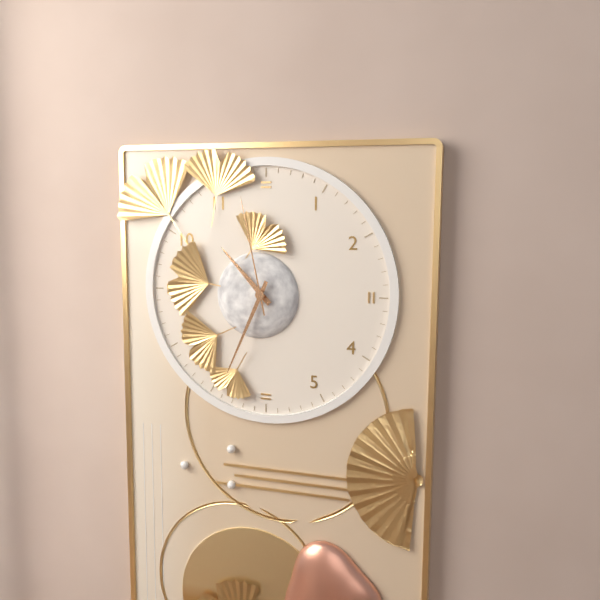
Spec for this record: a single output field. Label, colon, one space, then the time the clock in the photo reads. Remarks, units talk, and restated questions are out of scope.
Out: 10:34:58
